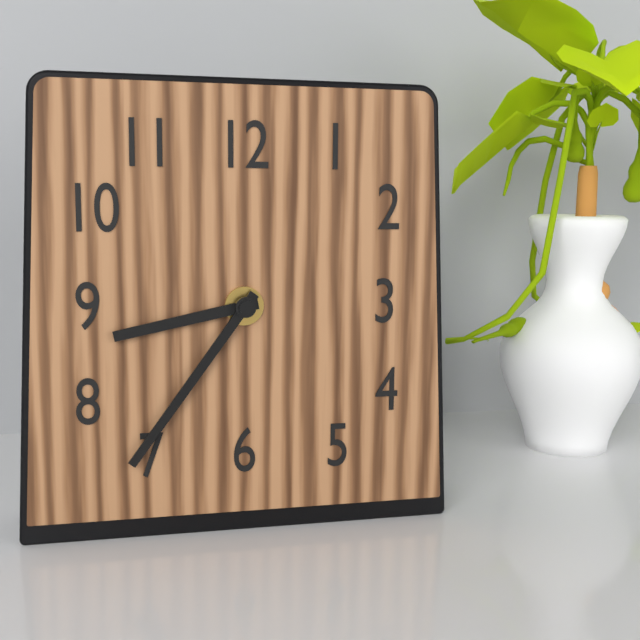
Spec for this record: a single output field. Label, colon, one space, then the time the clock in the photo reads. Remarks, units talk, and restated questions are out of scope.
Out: 8:36
